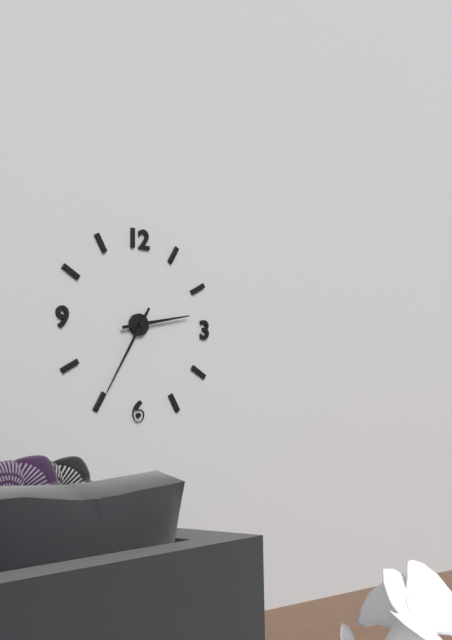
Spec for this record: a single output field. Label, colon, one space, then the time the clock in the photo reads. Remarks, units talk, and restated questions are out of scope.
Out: 2:35
